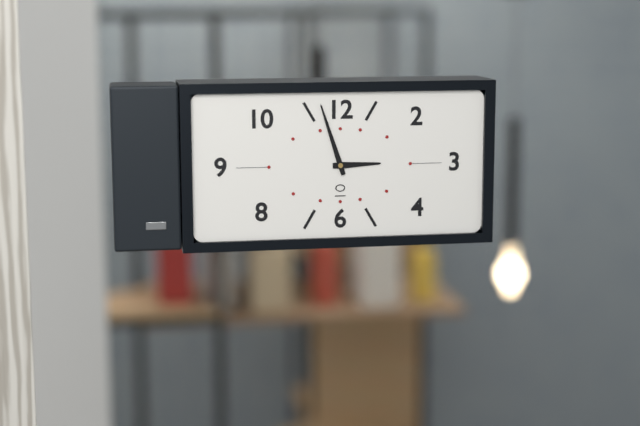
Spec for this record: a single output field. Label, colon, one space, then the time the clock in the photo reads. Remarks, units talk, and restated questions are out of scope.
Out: 2:57
